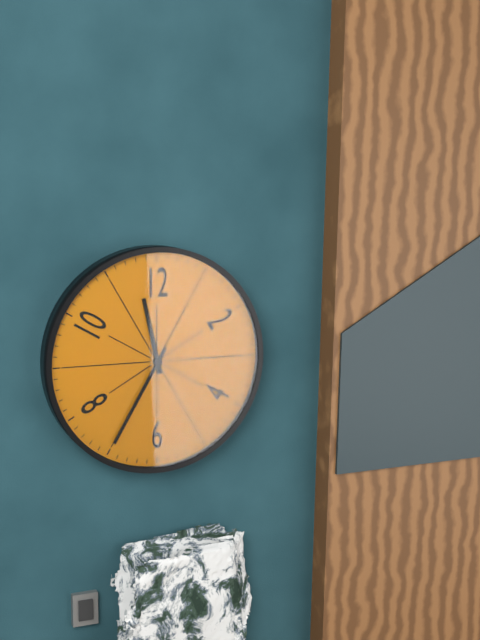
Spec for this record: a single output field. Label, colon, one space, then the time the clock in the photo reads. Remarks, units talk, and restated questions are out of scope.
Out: 11:35
